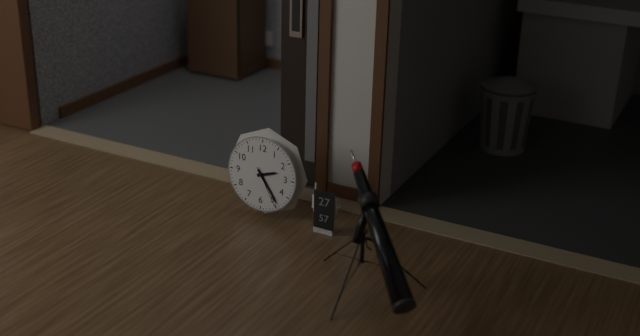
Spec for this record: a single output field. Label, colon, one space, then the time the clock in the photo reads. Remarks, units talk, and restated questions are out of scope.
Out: 2:24
